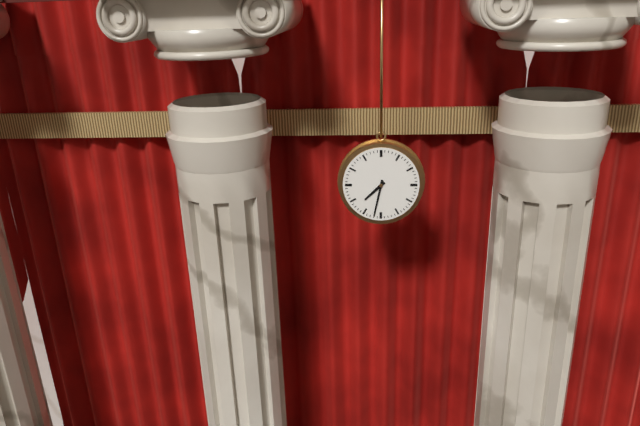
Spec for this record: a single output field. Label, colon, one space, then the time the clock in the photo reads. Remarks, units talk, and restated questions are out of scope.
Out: 7:32
